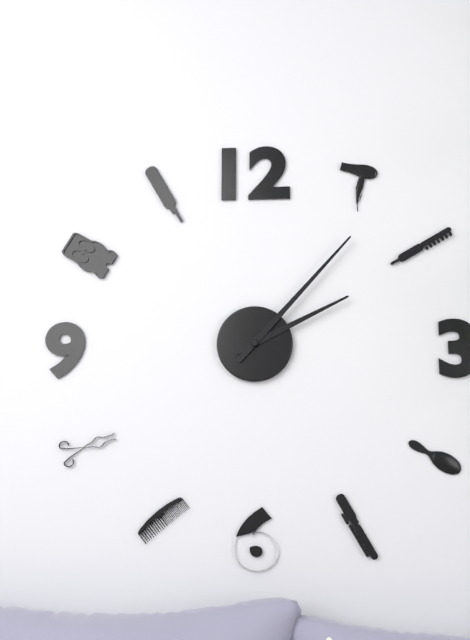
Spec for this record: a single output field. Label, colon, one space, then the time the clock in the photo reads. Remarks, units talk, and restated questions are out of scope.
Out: 2:07
